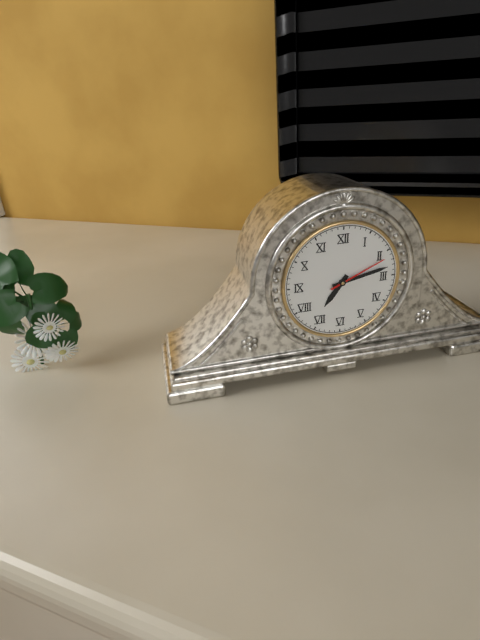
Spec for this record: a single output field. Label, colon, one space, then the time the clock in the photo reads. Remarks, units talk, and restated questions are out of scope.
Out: 7:13:11
